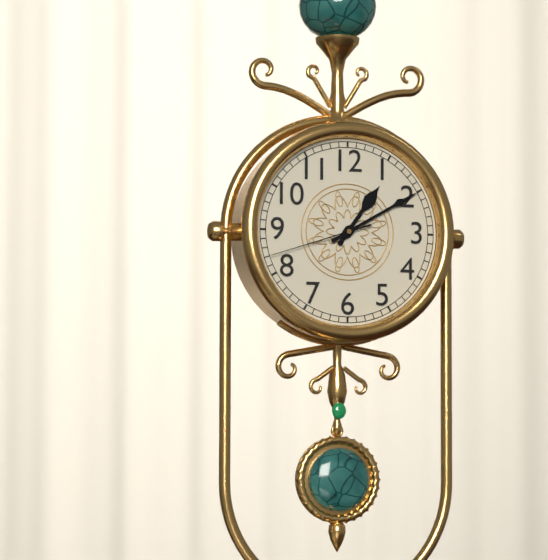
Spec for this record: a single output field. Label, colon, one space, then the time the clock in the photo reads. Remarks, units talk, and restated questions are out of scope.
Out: 1:10:42
